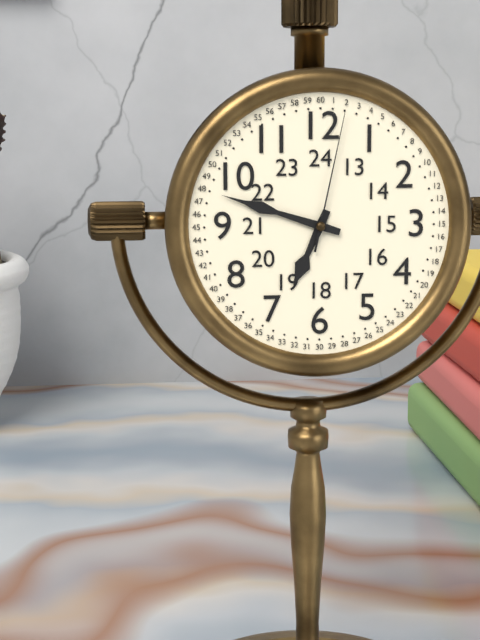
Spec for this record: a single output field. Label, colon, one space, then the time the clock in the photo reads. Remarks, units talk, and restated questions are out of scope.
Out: 6:48:02
